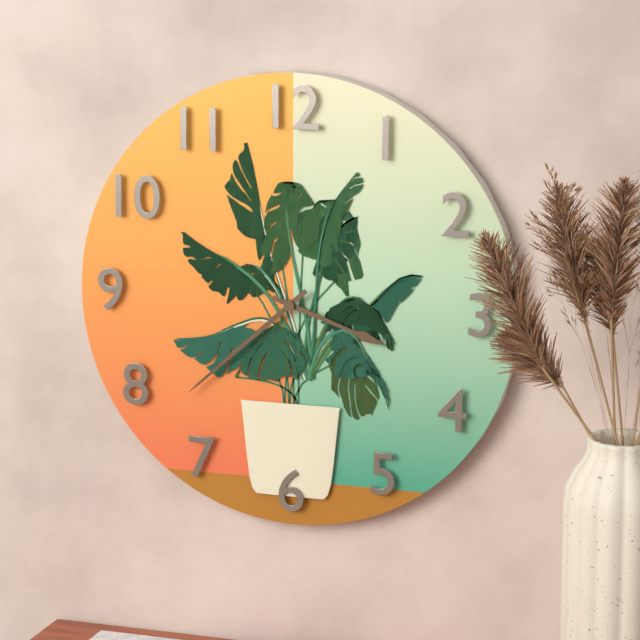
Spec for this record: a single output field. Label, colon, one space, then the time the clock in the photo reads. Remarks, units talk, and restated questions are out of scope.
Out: 3:38
